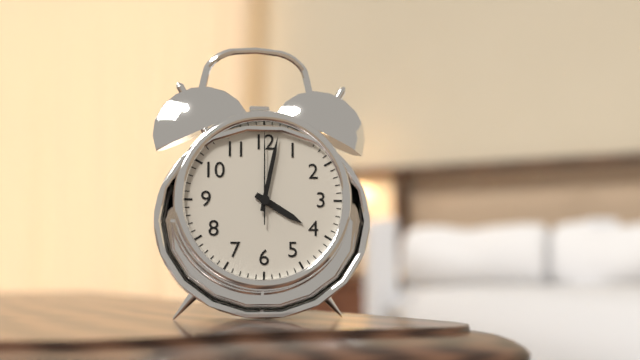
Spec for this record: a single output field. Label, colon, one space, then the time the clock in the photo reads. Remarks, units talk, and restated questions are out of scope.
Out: 4:02:00
